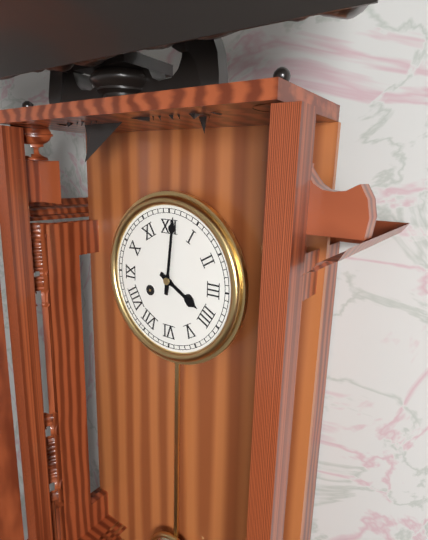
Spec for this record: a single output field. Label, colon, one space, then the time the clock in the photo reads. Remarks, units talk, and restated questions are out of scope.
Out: 4:01
